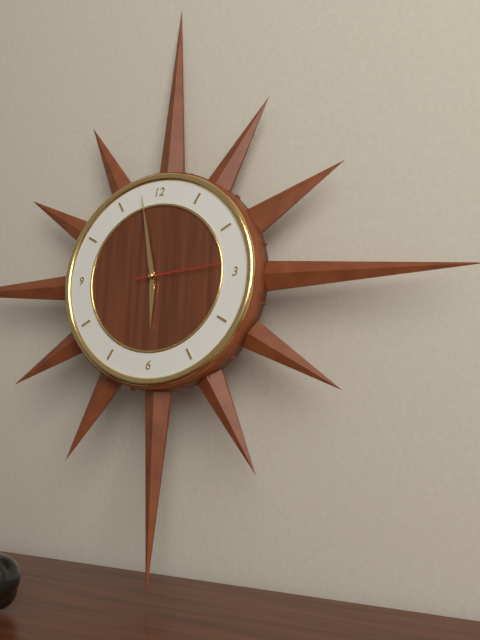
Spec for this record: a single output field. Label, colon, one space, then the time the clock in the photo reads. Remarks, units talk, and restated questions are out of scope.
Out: 5:58:14
